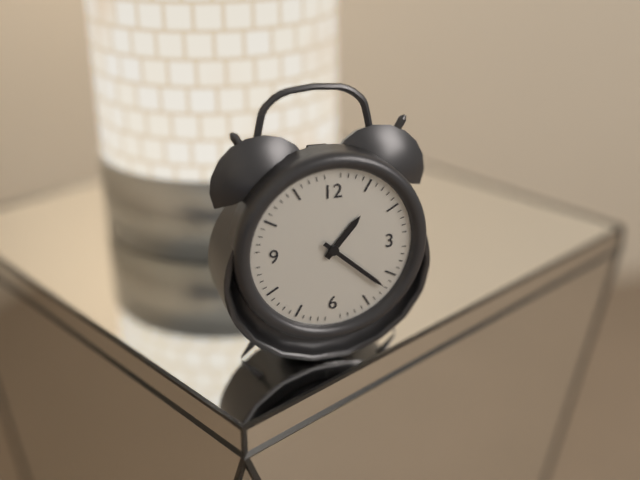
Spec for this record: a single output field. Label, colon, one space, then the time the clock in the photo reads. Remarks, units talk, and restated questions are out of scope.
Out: 1:22
